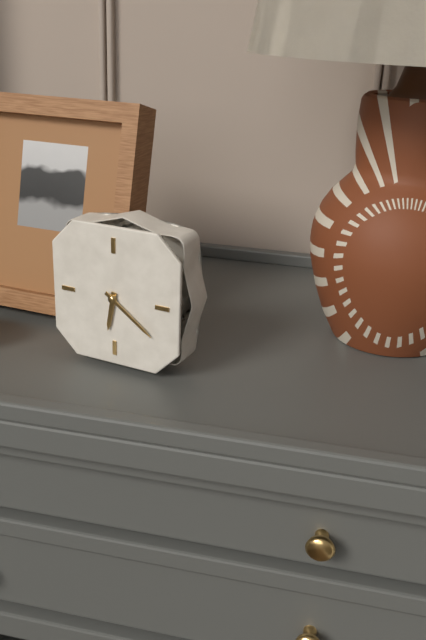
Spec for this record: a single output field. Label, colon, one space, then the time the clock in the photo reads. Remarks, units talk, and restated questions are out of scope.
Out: 6:21
